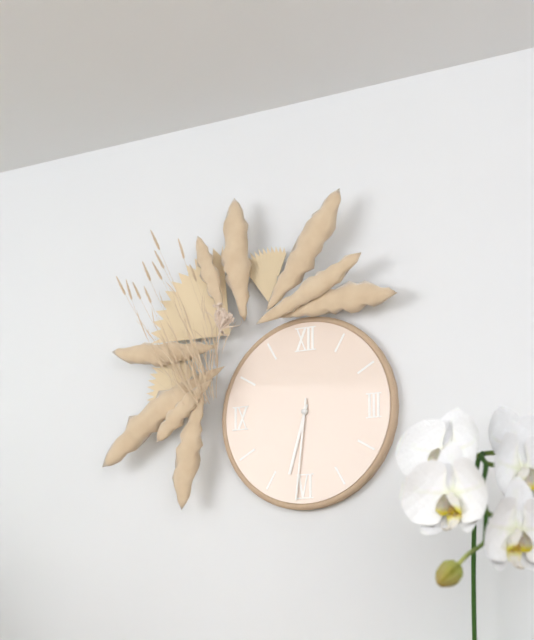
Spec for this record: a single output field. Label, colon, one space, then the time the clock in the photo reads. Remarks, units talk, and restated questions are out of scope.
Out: 6:31
